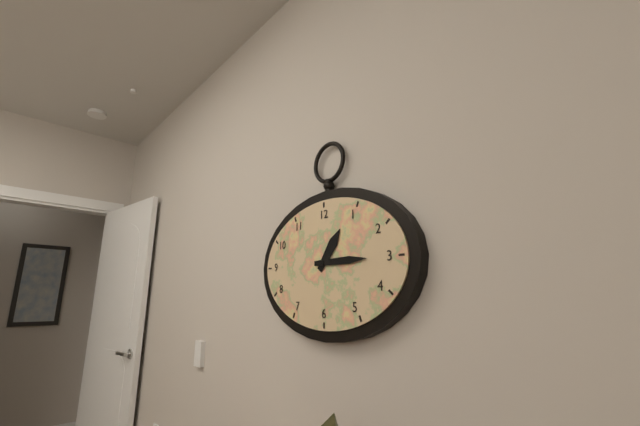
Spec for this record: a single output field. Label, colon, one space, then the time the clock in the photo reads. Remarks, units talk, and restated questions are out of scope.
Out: 1:15
